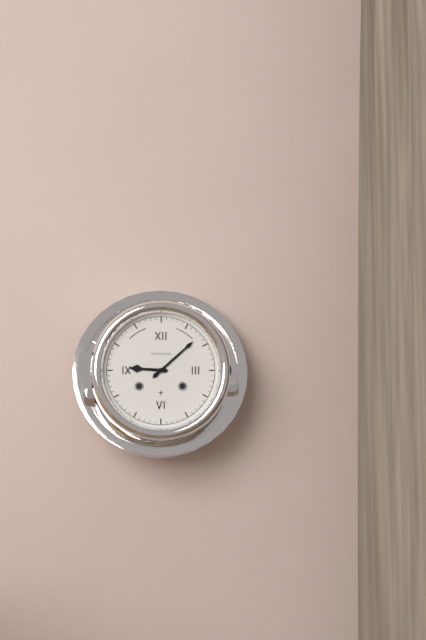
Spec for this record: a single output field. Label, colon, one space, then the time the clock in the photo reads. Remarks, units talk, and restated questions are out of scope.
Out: 9:08
